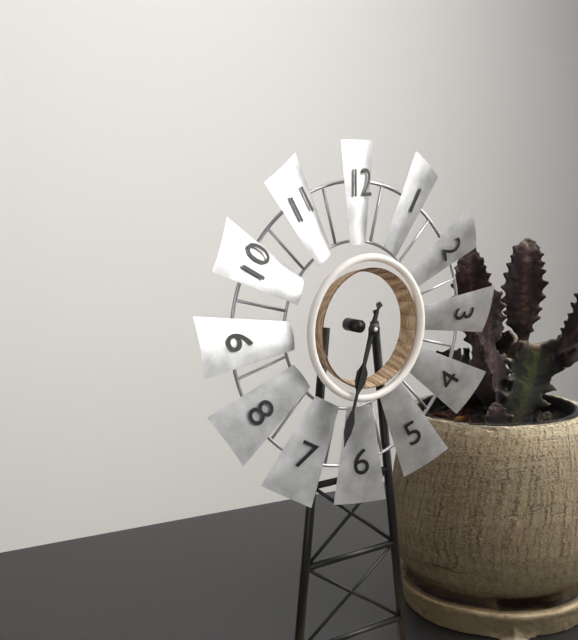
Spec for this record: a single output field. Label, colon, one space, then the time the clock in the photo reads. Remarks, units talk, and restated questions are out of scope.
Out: 6:33
